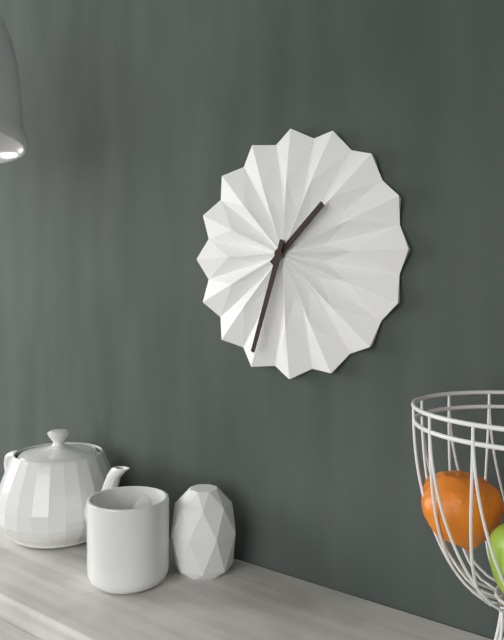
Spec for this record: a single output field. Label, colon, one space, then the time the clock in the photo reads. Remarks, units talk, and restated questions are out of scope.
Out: 1:33
